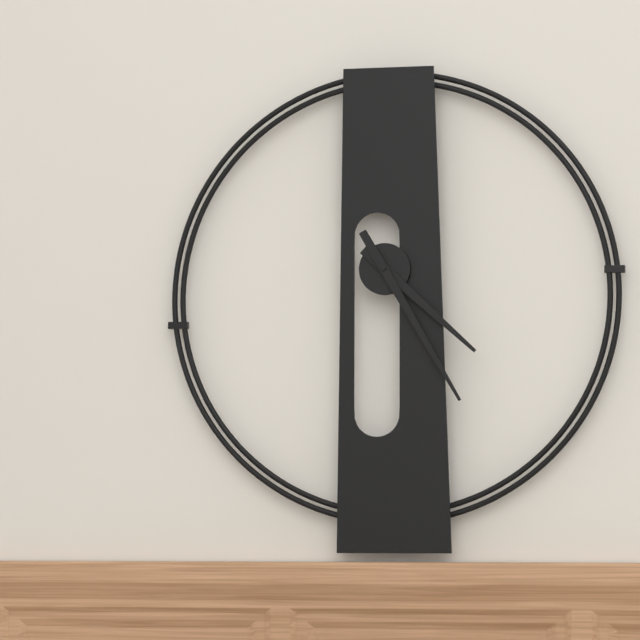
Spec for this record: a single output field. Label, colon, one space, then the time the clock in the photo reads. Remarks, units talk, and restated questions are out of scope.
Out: 4:25
